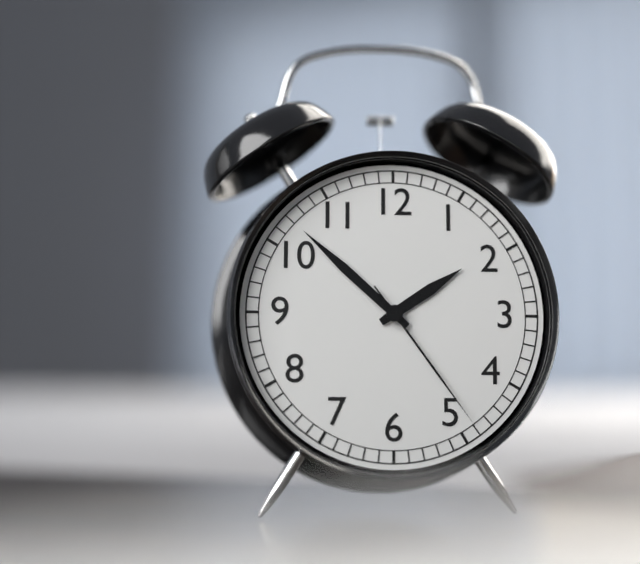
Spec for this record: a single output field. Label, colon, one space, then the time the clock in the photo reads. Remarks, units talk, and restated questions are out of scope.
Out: 1:52:24
